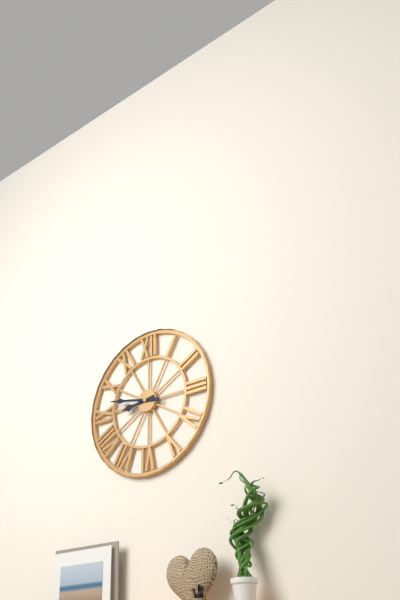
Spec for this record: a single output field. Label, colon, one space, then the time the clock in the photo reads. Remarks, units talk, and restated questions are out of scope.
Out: 8:47
